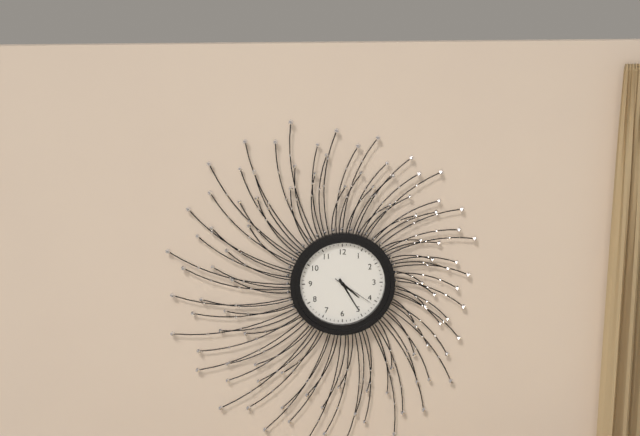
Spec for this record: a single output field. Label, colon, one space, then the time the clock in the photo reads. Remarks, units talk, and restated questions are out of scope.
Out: 4:25
